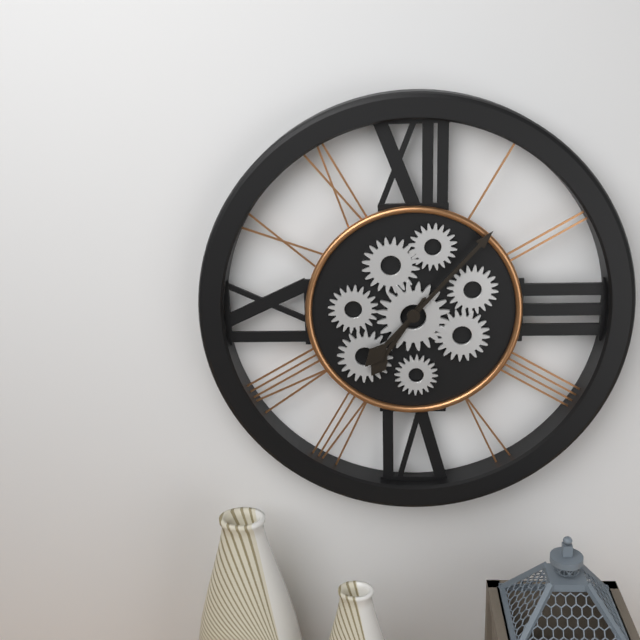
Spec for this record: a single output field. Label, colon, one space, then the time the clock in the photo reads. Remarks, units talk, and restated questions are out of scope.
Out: 7:07
